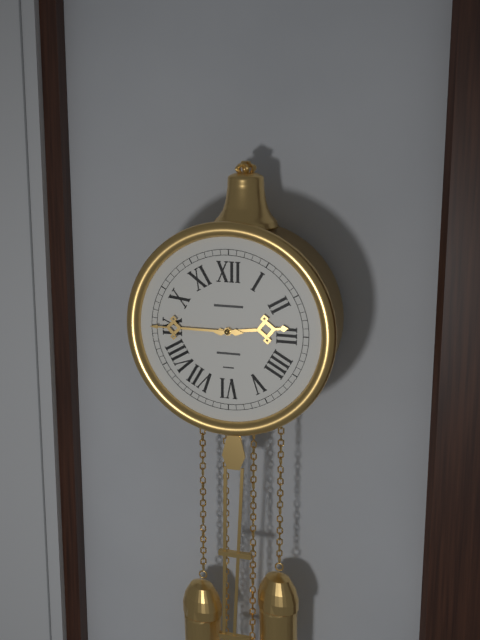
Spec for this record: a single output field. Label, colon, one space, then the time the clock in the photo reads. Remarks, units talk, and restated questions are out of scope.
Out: 2:45
